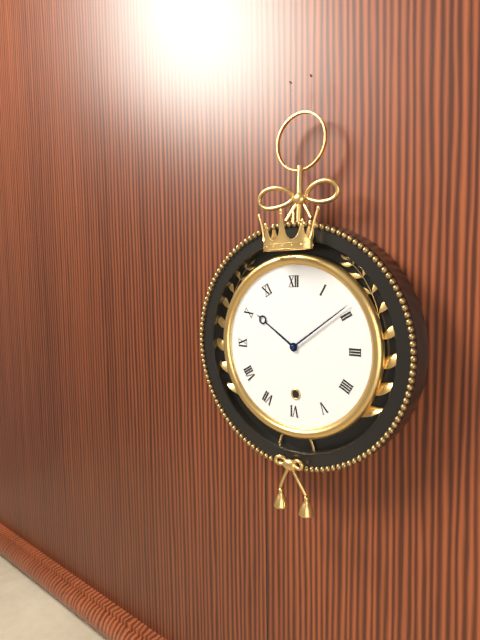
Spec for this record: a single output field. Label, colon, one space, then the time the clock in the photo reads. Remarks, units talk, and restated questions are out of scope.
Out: 10:09
